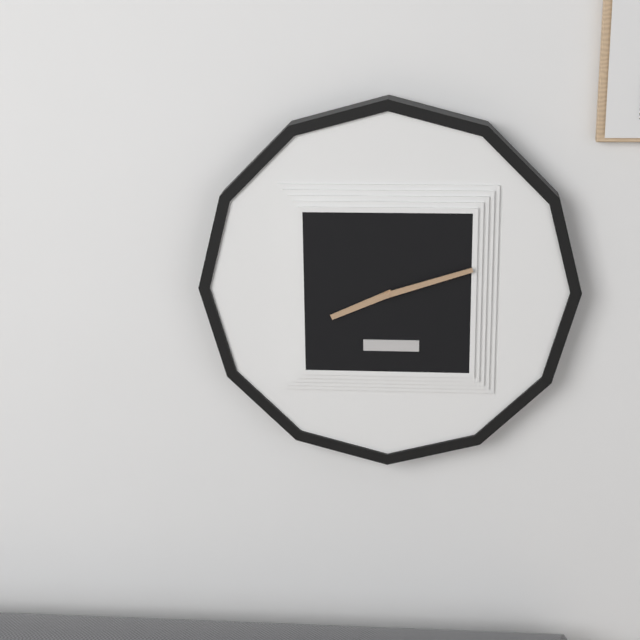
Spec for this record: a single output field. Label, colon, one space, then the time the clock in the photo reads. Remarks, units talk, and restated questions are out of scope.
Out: 8:12
